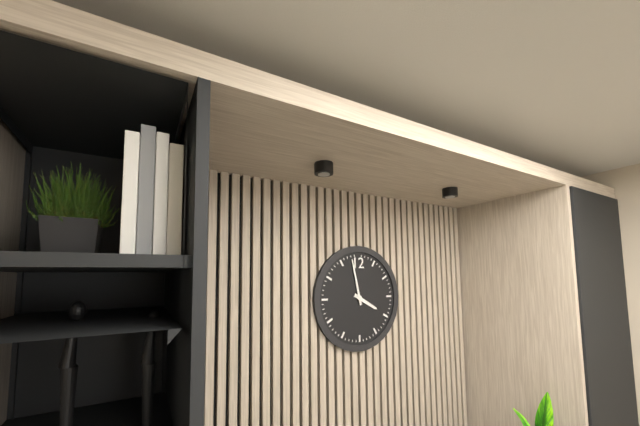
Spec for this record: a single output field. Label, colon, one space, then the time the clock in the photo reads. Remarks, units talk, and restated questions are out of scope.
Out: 3:58
